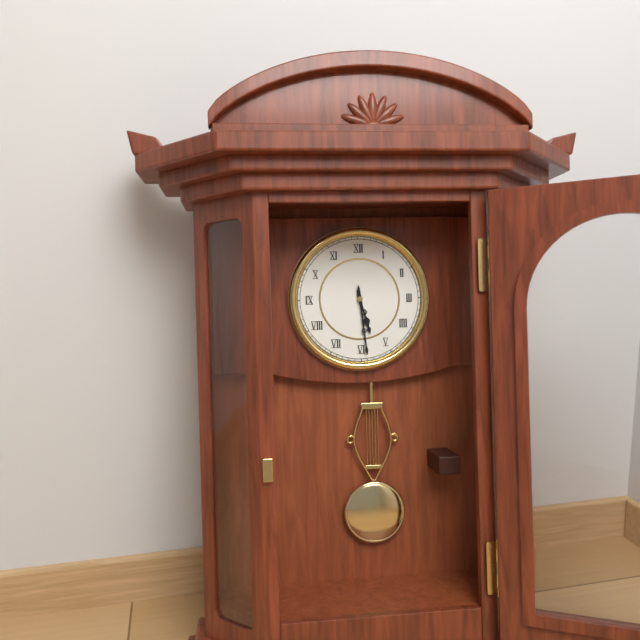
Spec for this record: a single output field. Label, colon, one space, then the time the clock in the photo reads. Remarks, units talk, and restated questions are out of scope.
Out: 5:29
